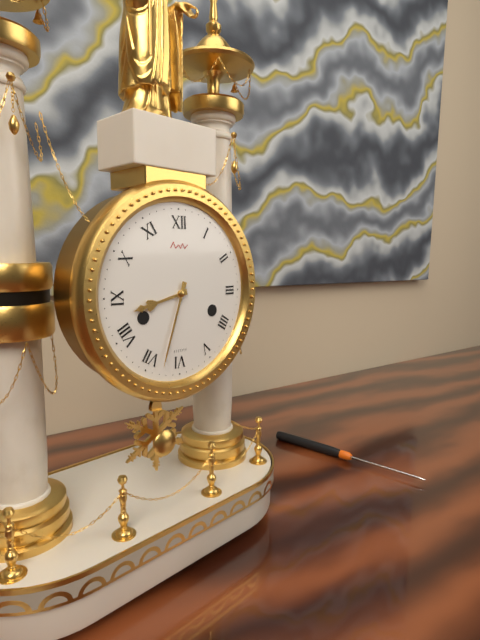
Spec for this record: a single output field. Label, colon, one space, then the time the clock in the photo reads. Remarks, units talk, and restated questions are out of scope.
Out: 8:33
